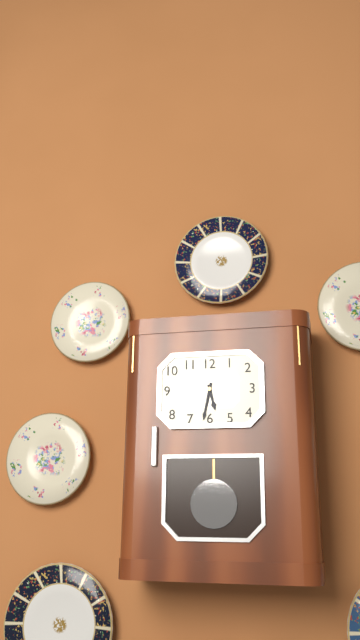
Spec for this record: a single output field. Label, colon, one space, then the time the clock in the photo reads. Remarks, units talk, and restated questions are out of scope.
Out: 5:32
